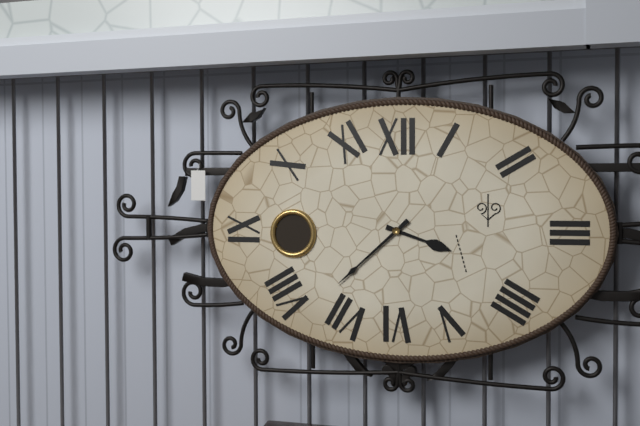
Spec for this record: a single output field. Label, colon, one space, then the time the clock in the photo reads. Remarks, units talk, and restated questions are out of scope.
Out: 3:38
